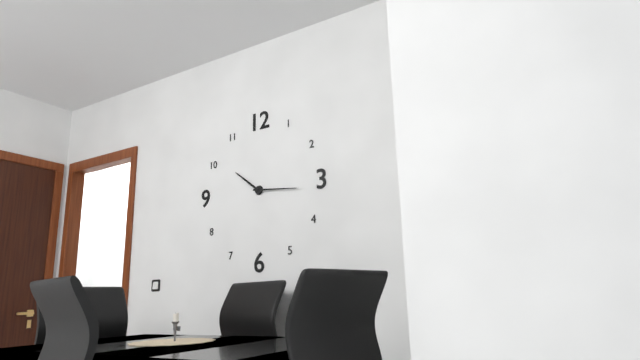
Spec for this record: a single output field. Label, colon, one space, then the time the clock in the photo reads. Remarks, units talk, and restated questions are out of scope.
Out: 10:16
